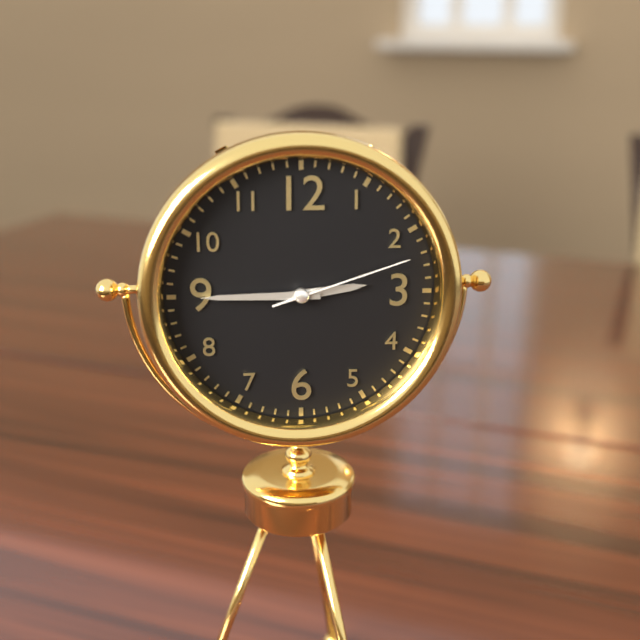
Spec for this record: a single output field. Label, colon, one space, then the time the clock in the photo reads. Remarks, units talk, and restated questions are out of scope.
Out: 2:45:12
